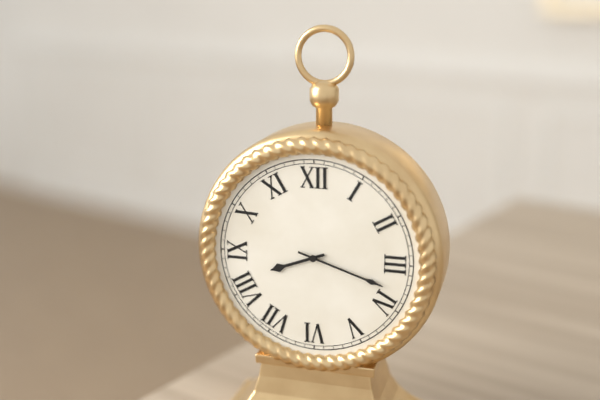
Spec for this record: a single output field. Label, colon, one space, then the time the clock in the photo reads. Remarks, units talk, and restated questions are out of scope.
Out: 8:18
